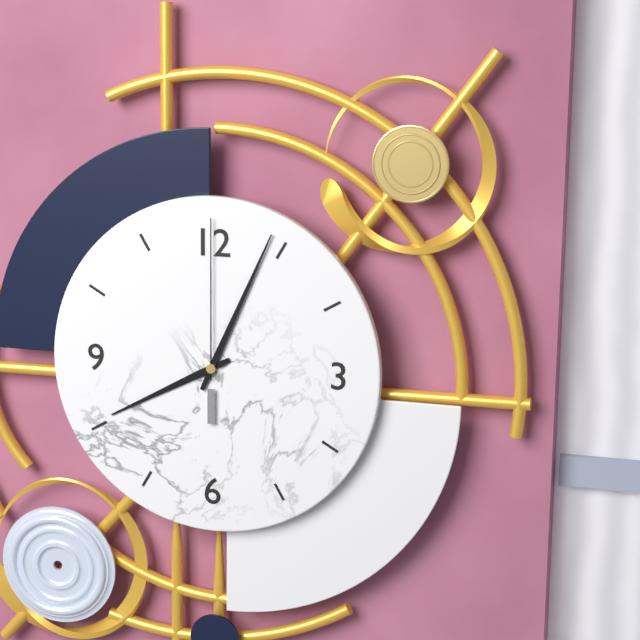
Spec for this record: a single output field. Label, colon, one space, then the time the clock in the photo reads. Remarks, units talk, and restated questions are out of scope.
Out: 8:04:00
